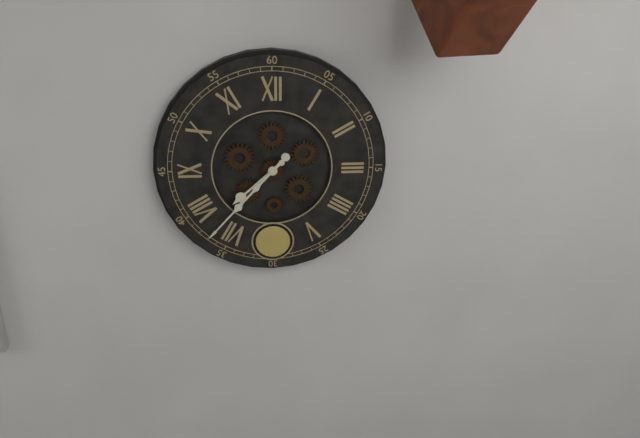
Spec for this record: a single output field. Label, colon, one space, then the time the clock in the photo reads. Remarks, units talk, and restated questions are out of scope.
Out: 7:37
